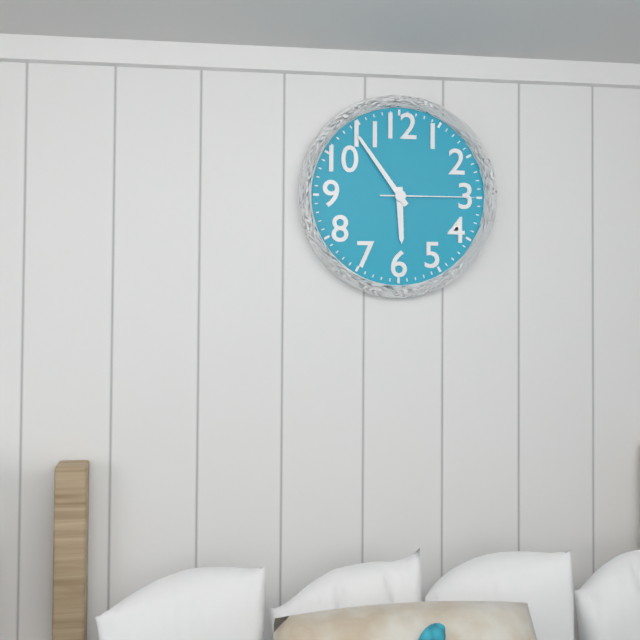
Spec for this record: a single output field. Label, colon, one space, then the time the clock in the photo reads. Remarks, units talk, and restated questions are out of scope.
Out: 5:54:15
